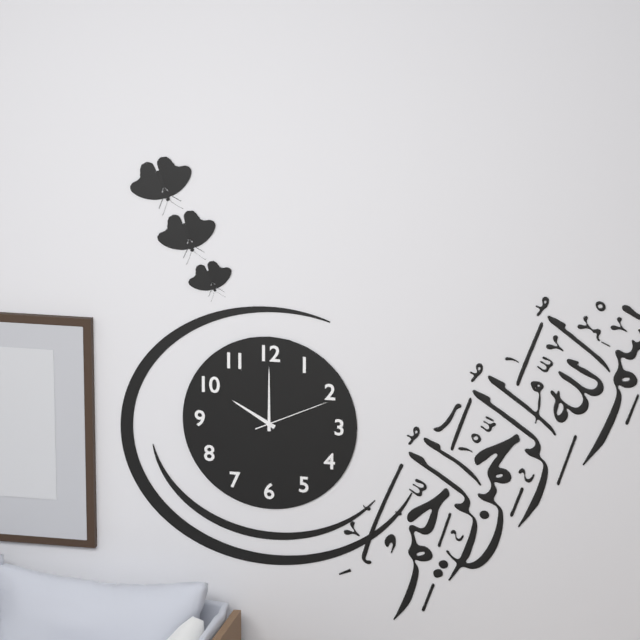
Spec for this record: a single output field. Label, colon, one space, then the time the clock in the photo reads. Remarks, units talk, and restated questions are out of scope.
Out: 10:00:11
